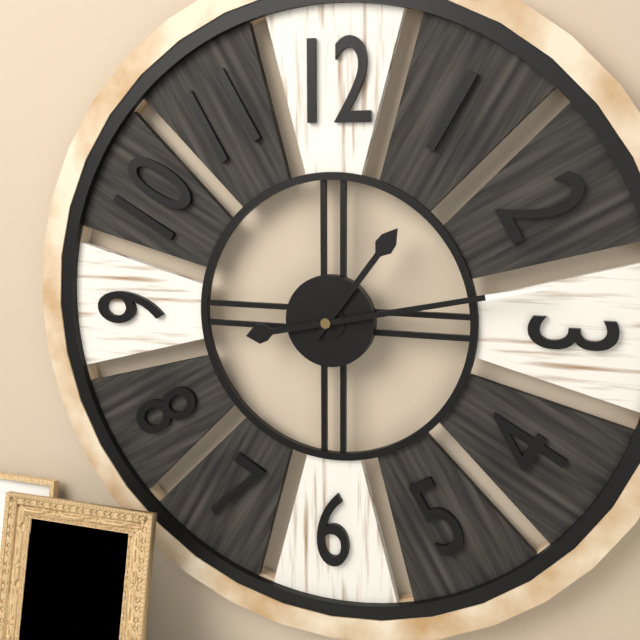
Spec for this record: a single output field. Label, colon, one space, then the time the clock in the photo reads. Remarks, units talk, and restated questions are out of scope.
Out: 1:13
